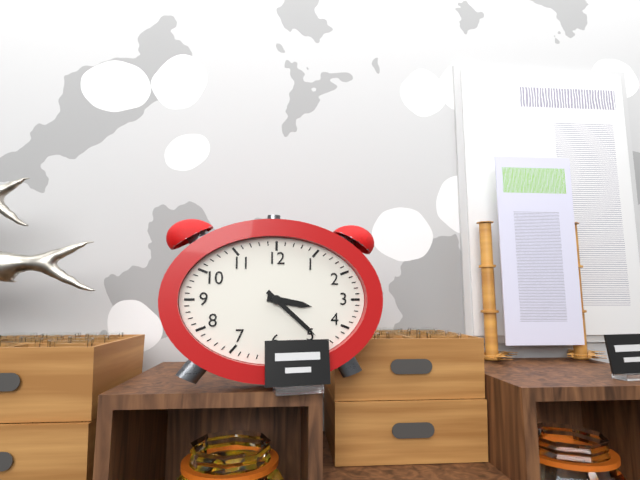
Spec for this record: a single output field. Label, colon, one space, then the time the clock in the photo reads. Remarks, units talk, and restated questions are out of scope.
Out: 3:22
